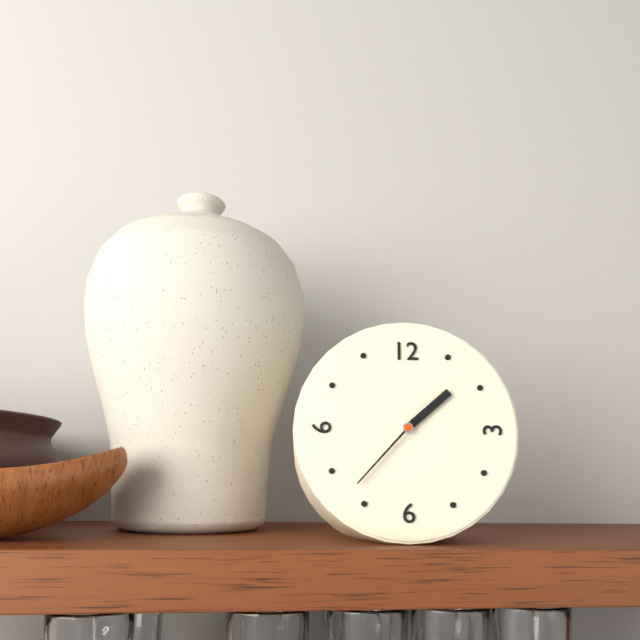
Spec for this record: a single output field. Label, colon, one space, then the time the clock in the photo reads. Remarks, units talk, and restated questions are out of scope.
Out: 1:37
